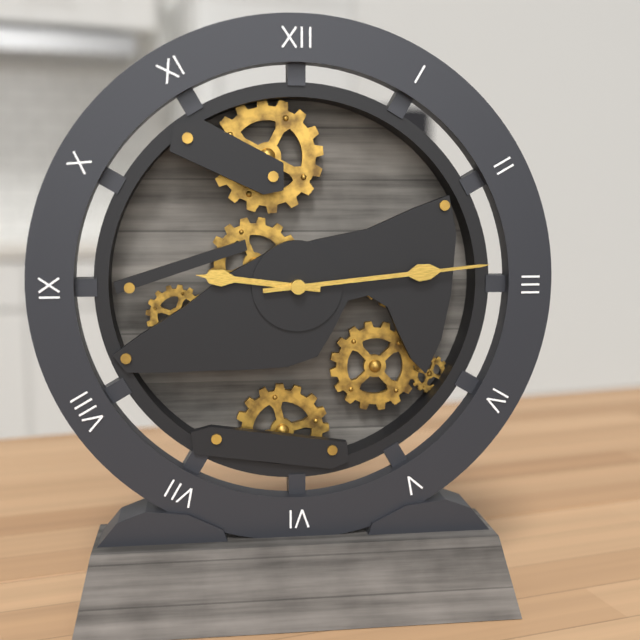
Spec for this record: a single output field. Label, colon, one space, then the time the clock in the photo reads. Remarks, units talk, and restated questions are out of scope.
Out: 9:14
